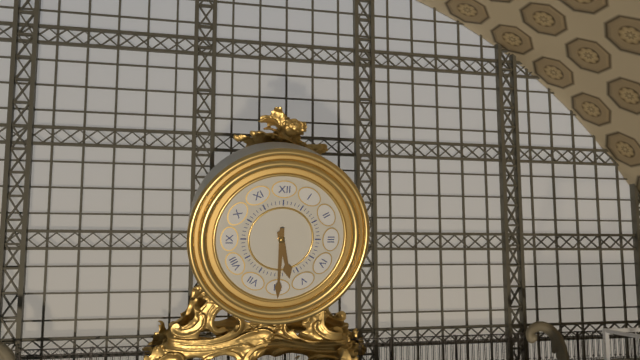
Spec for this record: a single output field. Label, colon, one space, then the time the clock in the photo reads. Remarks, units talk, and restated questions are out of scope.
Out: 5:30
